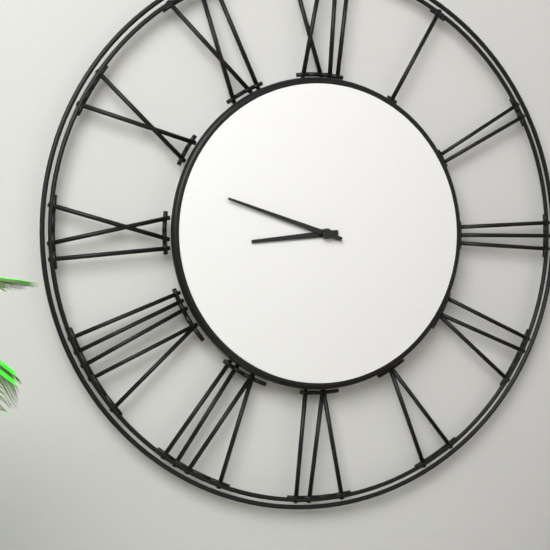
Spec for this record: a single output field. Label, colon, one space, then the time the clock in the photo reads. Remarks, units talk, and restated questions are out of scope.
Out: 8:48
